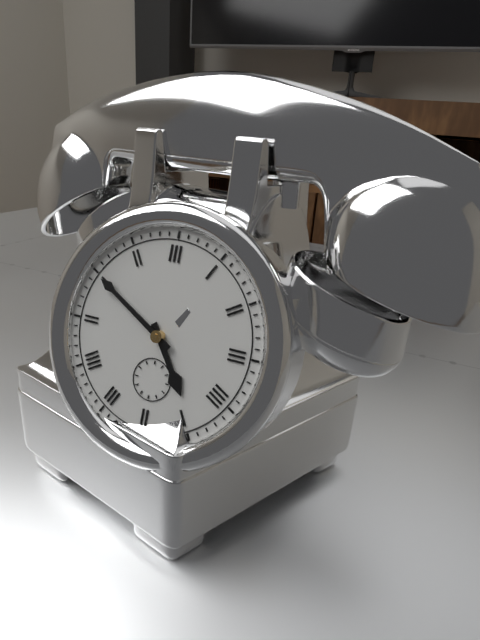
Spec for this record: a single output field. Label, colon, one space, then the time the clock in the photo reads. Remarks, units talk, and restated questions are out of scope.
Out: 4:50
